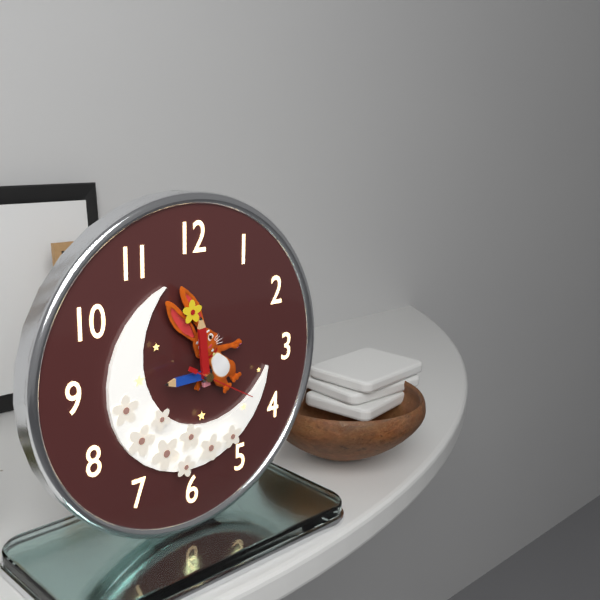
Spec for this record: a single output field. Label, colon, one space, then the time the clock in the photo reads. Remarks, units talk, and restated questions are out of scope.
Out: 8:59:20
